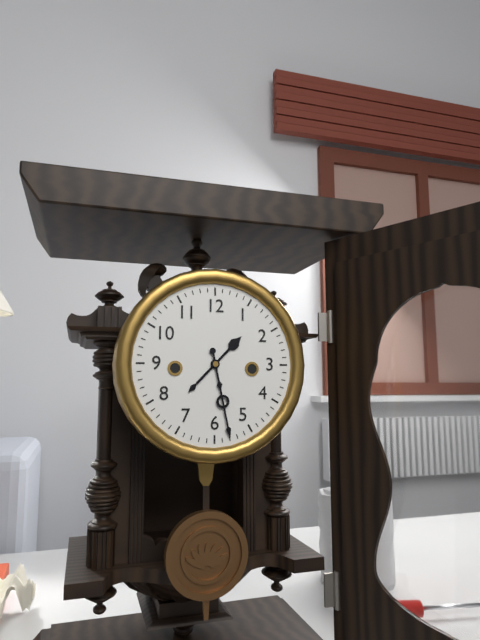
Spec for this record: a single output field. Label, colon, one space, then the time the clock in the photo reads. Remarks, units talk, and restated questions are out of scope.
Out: 1:28
